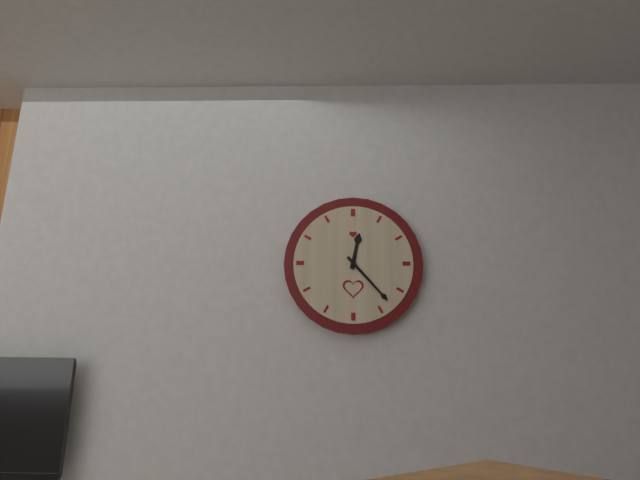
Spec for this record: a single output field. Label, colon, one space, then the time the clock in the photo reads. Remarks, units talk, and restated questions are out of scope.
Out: 12:23
